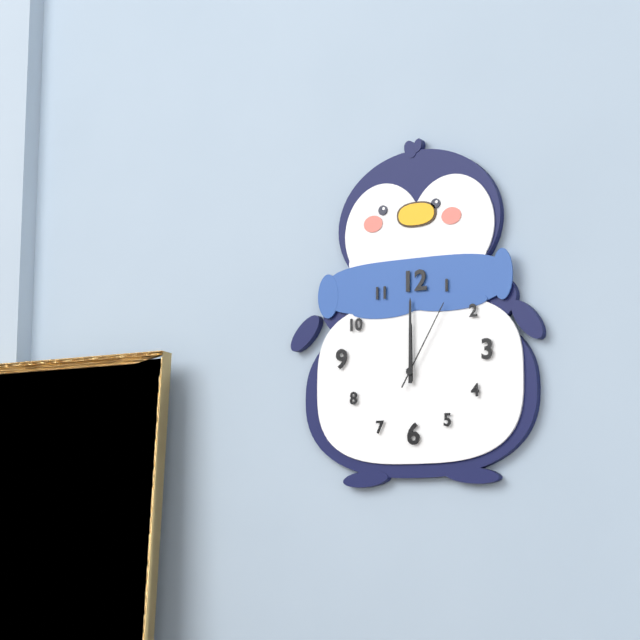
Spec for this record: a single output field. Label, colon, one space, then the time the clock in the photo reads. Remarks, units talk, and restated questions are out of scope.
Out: 12:00:05
